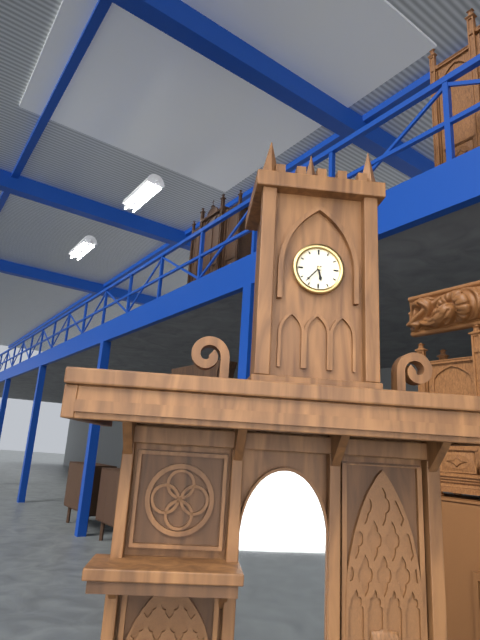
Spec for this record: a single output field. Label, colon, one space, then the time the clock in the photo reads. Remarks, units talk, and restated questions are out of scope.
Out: 5:37
